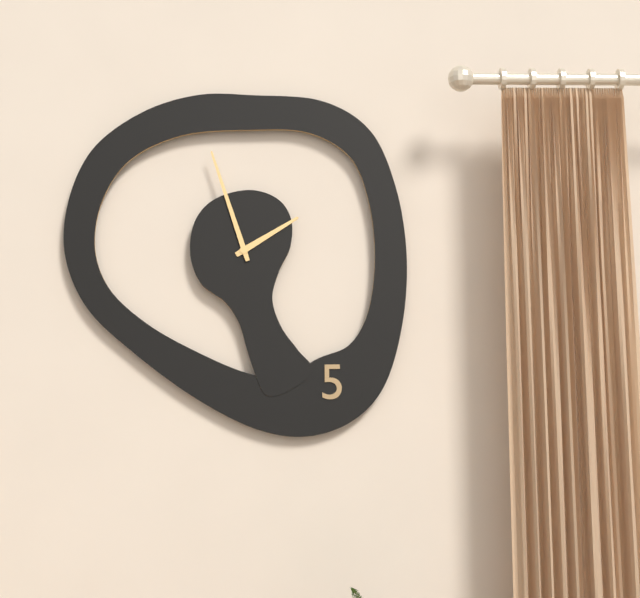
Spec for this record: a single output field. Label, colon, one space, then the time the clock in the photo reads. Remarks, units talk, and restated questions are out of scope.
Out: 1:57
